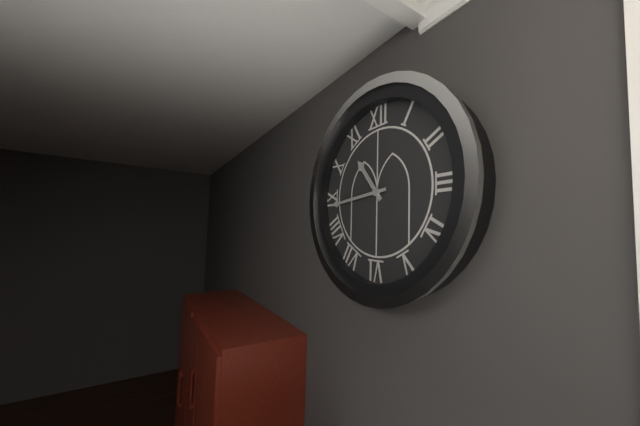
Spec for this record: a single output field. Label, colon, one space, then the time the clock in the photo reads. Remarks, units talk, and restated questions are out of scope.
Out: 10:44
